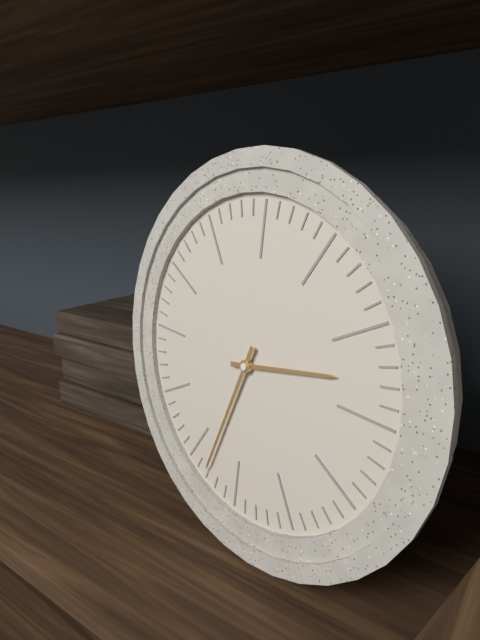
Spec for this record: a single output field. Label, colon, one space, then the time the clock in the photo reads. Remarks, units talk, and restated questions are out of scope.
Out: 2:33
